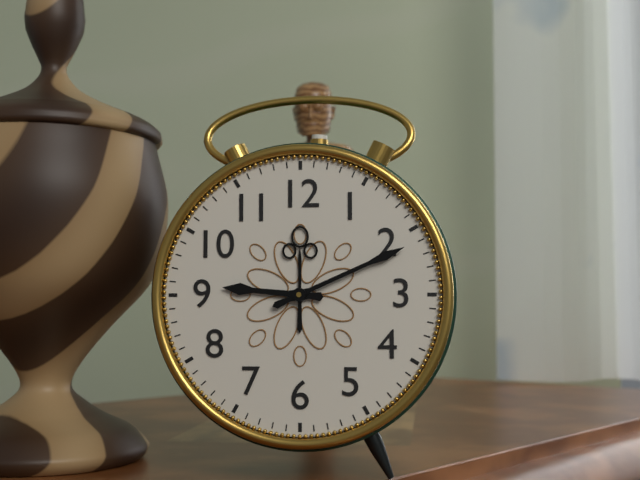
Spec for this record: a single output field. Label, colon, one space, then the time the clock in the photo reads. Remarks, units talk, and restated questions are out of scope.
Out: 9:11
